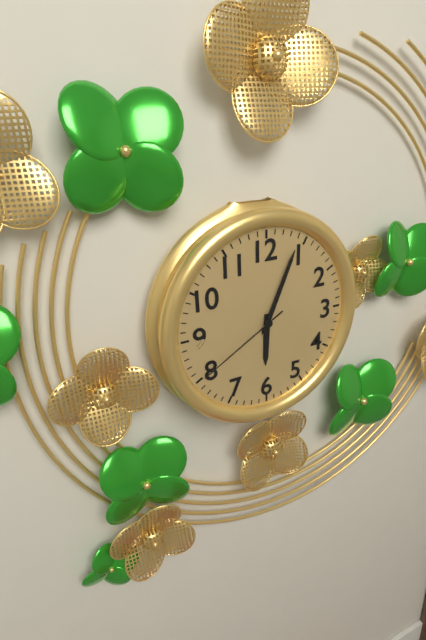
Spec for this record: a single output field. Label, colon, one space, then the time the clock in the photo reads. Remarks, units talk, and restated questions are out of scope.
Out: 6:04:40
